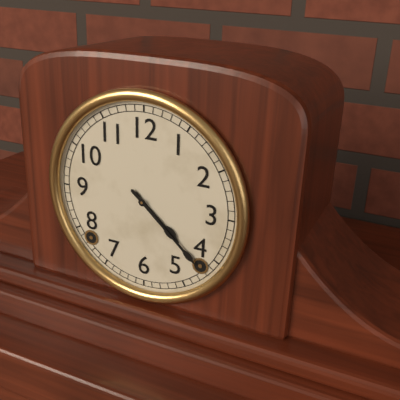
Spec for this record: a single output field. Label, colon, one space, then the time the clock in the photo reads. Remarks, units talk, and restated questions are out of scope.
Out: 4:22
